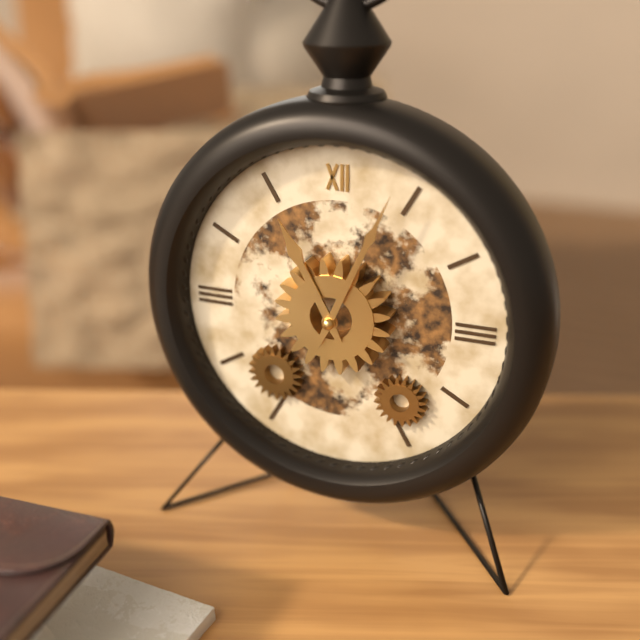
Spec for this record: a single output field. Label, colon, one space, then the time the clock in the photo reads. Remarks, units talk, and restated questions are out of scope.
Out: 11:04
